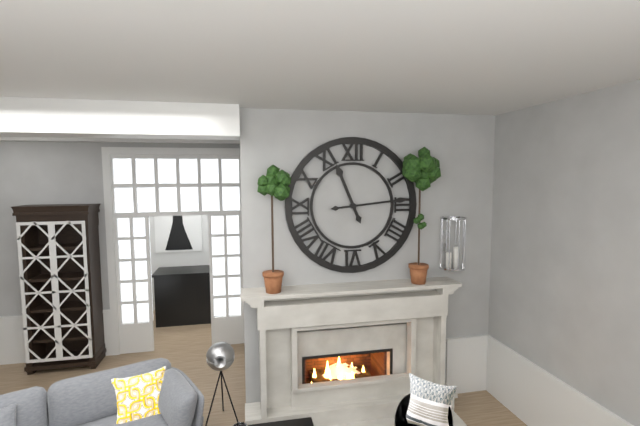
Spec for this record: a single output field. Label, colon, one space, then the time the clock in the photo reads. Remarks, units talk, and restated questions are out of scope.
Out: 11:14
